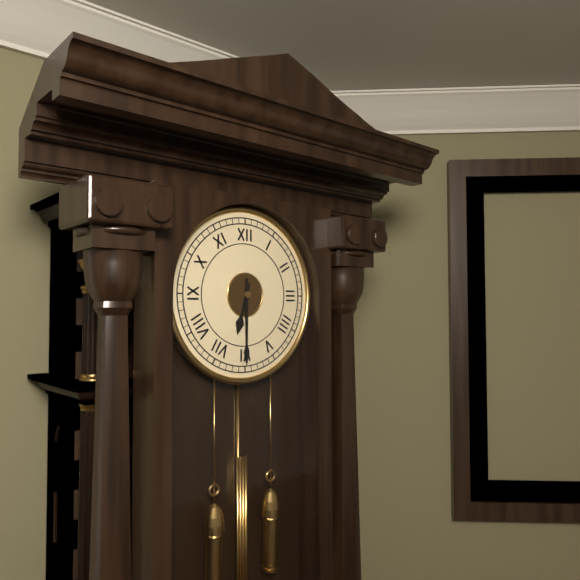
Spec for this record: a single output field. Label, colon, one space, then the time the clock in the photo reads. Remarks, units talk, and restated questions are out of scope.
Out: 6:30
